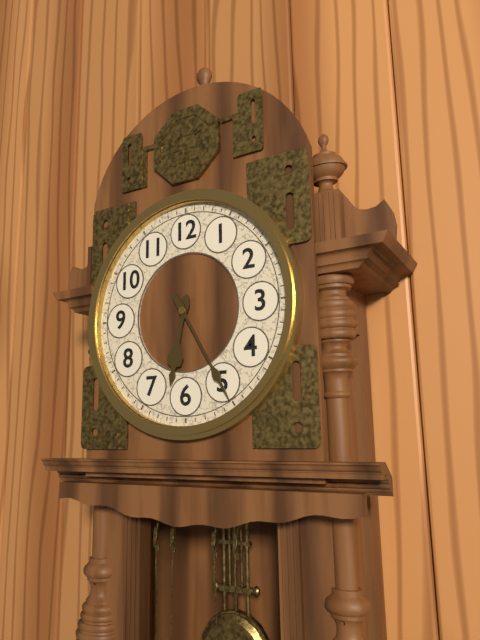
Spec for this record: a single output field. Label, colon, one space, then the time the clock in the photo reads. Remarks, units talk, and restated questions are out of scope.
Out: 6:25
